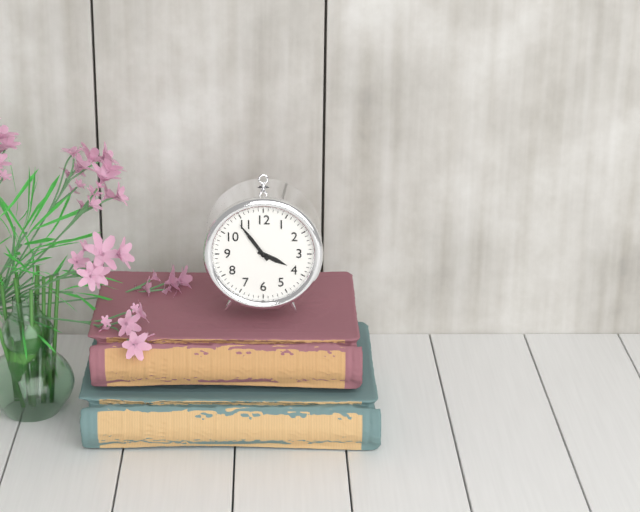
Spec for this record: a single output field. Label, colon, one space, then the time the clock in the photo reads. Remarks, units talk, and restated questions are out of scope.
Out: 3:54
